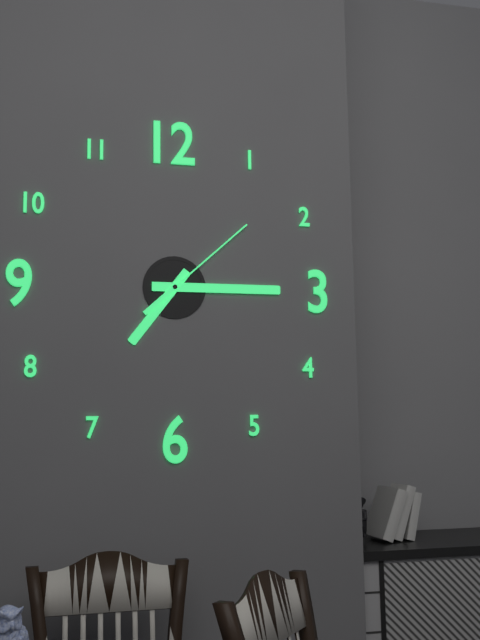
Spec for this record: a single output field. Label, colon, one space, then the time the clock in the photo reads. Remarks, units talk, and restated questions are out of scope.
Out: 7:15:08
